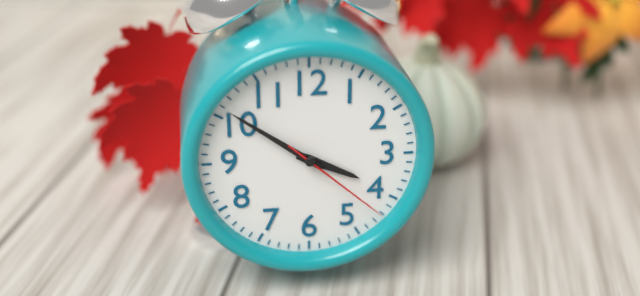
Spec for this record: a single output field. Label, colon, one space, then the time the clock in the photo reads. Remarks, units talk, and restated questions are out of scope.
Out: 3:51:22
